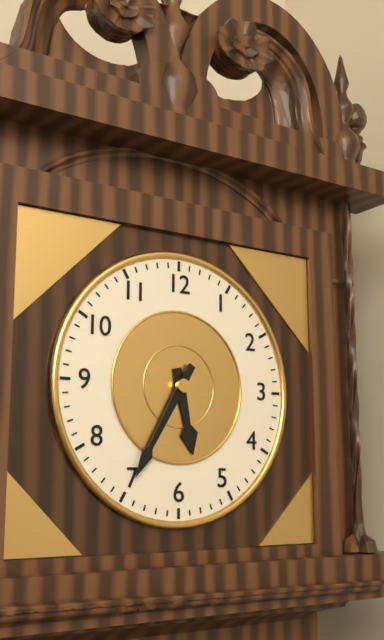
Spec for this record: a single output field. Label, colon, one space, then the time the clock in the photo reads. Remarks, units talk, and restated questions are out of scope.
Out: 5:35
